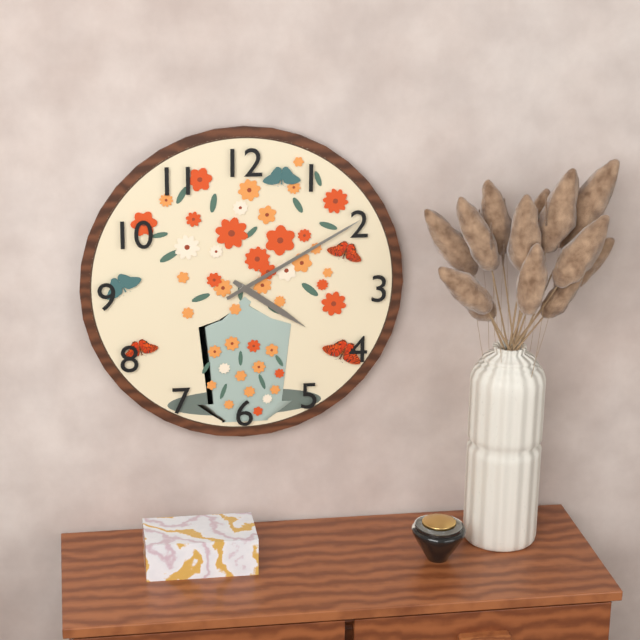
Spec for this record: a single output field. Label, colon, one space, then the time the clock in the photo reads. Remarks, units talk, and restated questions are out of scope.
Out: 4:10
